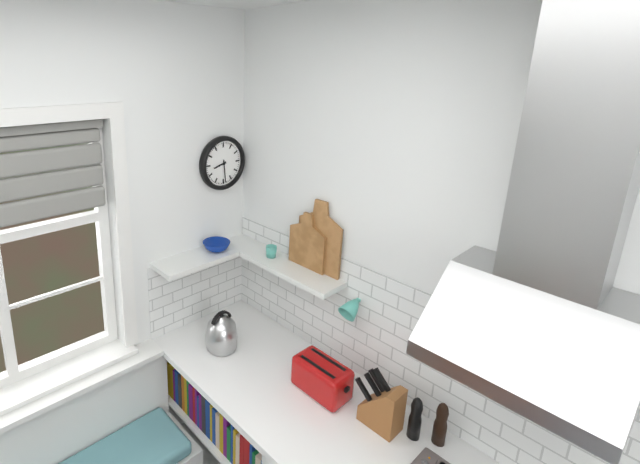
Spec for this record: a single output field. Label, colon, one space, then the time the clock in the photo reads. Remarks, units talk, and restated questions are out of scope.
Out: 8:29
